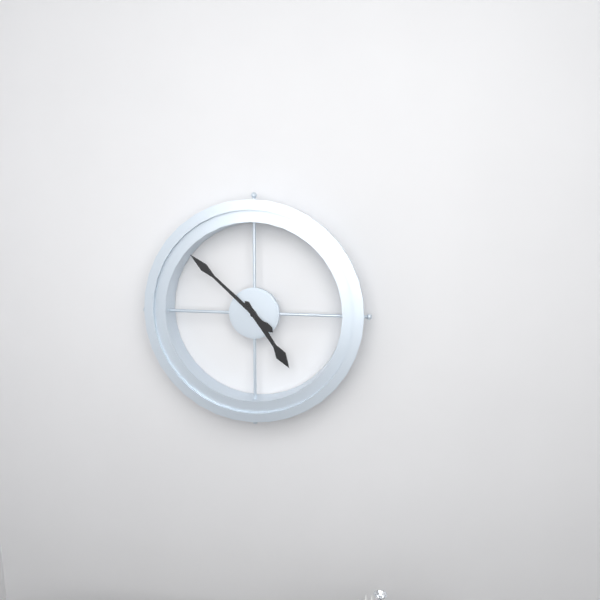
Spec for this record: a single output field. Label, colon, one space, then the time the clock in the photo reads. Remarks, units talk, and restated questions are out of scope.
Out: 4:52
